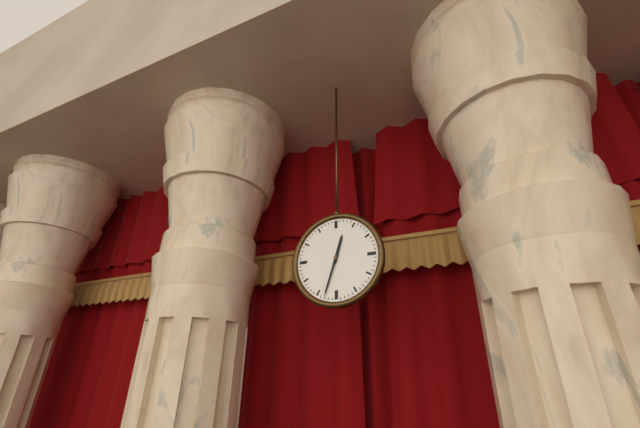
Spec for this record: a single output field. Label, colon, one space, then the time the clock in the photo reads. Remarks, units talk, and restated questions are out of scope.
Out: 12:33
